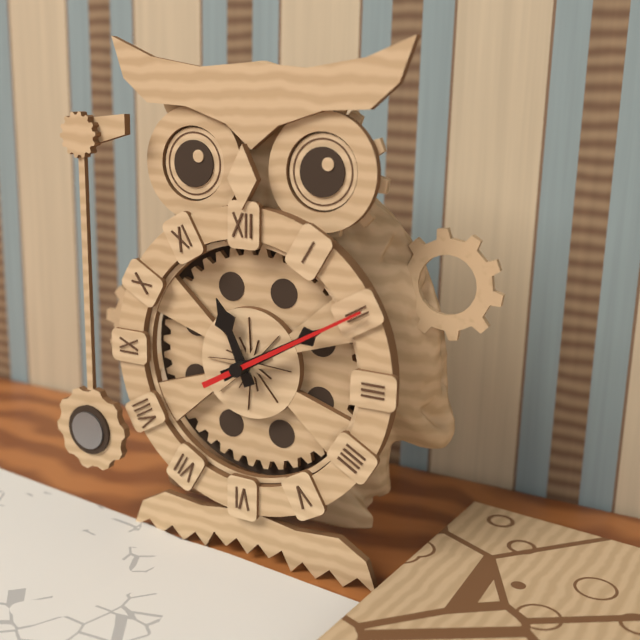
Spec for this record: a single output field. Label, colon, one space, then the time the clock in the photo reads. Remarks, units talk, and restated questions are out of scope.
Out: 11:10:10
